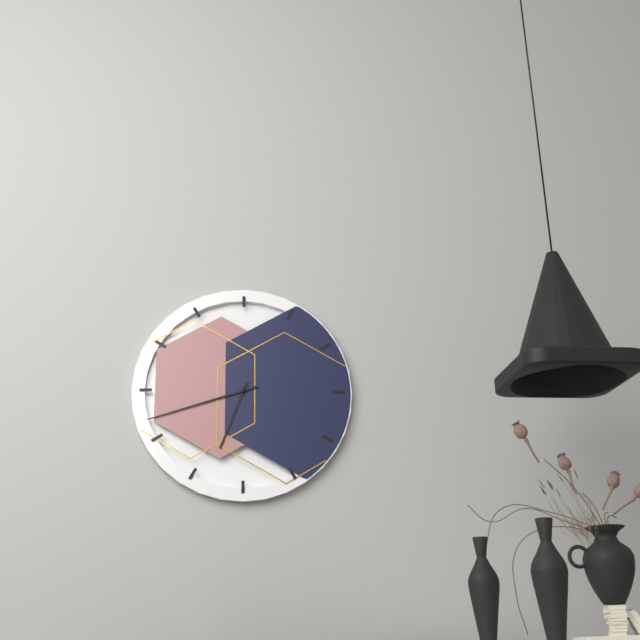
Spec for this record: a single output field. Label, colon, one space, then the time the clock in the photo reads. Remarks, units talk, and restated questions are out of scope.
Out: 6:42
